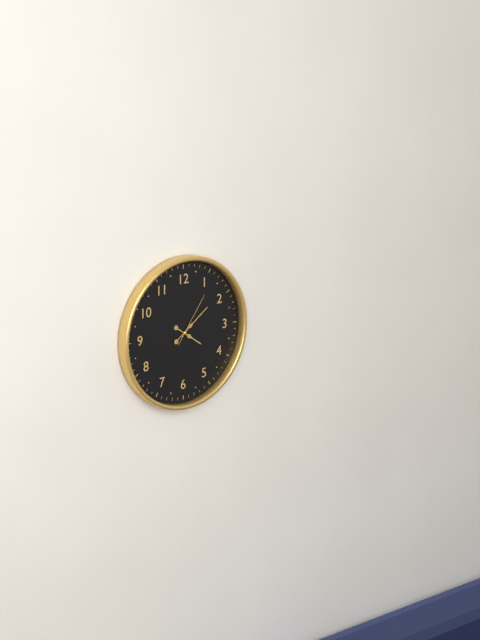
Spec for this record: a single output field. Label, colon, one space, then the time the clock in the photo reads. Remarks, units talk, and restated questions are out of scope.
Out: 4:09:06
